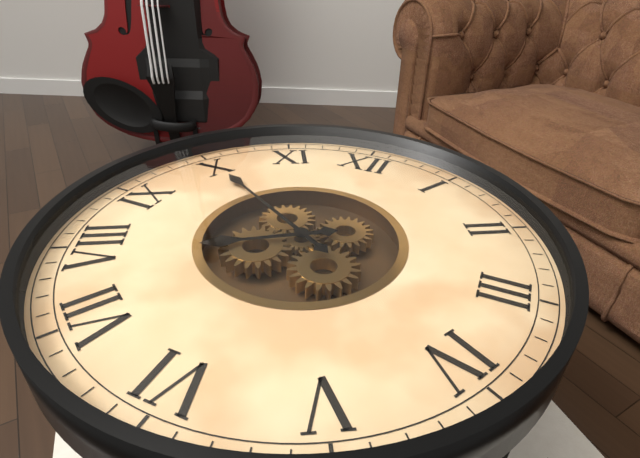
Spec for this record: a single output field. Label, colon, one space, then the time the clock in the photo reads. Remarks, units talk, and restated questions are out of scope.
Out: 7:50
